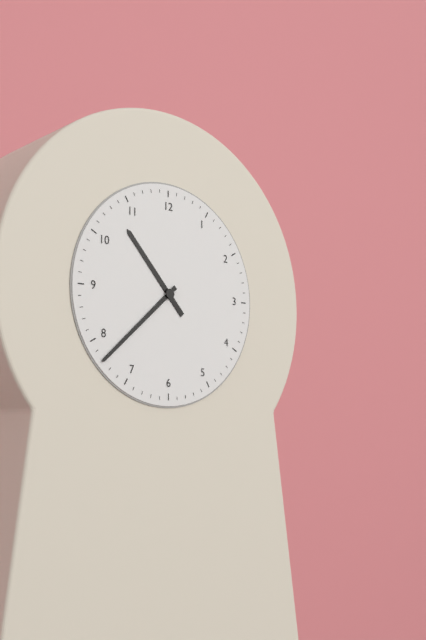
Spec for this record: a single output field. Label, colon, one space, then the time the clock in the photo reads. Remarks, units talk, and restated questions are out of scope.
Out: 10:38
